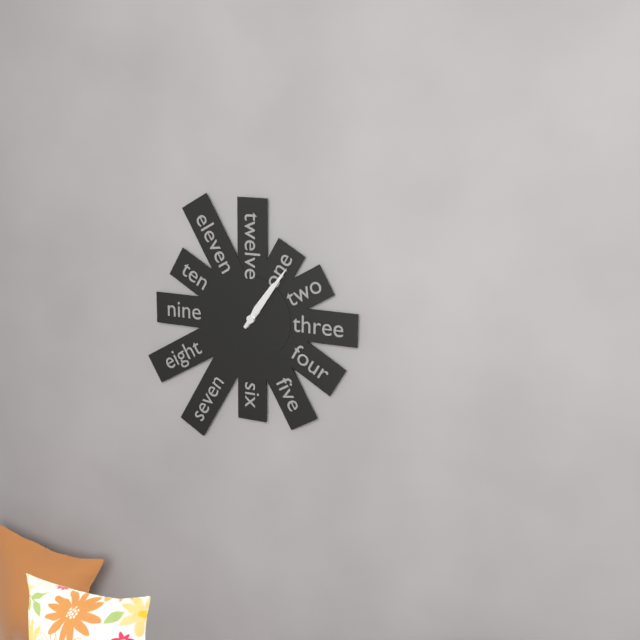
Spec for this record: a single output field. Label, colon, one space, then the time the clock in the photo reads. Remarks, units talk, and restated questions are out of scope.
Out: 1:06
